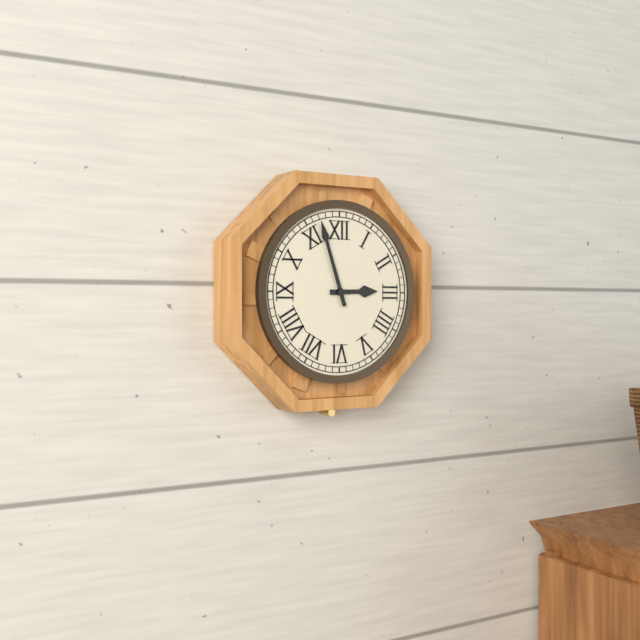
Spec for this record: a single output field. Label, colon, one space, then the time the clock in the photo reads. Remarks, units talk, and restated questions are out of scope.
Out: 2:57
